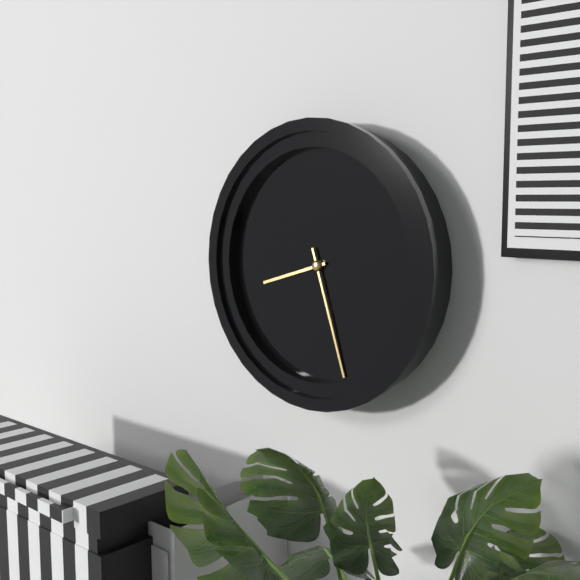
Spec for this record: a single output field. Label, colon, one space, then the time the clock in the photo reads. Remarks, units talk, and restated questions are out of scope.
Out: 8:27
